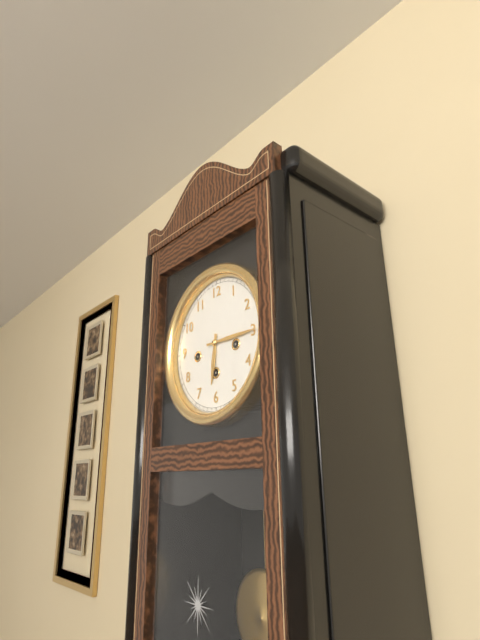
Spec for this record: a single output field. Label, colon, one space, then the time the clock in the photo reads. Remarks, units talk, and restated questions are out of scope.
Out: 6:15
